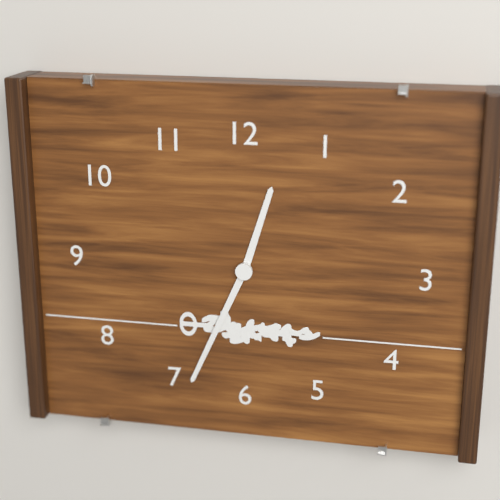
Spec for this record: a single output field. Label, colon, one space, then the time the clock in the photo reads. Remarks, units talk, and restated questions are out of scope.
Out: 12:34
